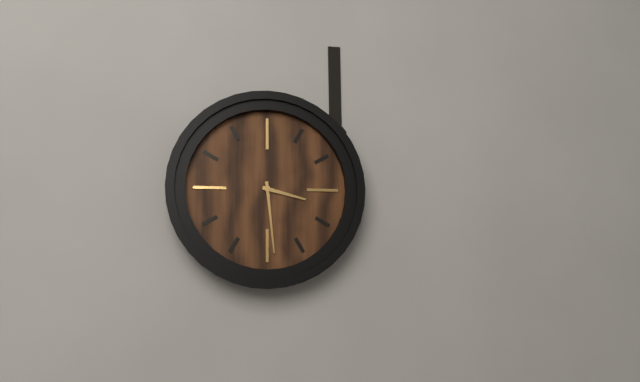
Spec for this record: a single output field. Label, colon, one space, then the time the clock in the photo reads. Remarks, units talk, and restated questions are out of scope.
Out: 3:29
